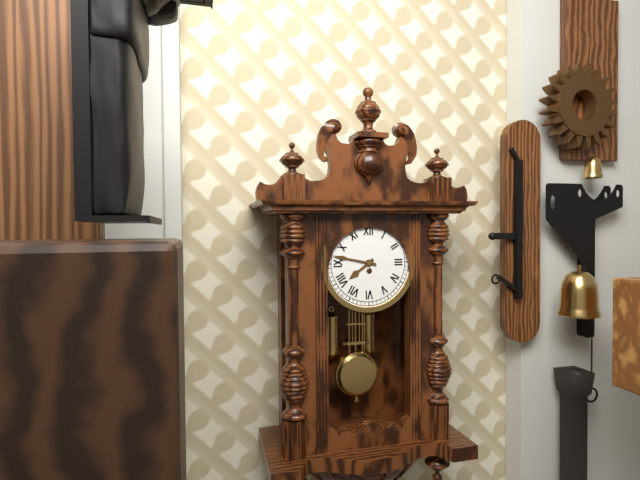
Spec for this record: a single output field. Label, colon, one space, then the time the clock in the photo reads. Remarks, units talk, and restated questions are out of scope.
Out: 7:47
